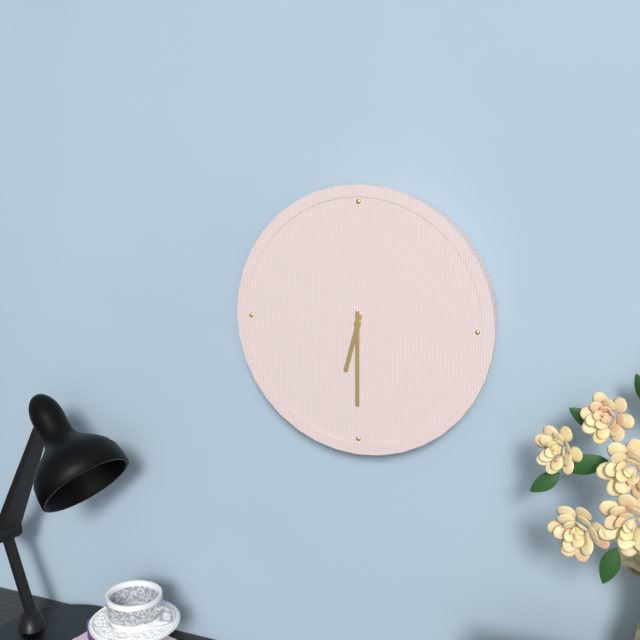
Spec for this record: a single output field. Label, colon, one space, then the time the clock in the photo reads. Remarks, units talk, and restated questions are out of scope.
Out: 6:30
